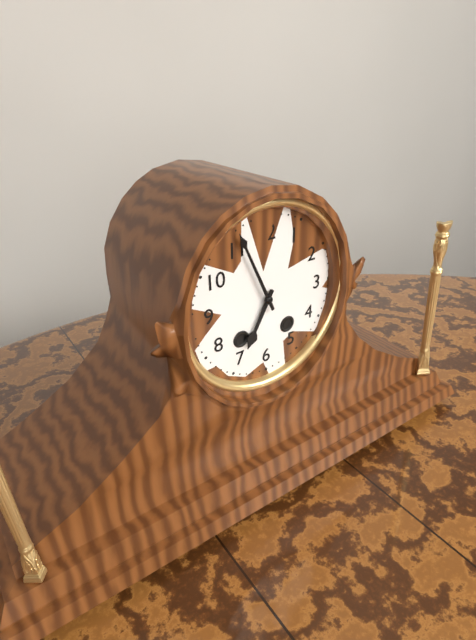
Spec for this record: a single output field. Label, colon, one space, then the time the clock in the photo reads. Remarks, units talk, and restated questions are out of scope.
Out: 6:56
